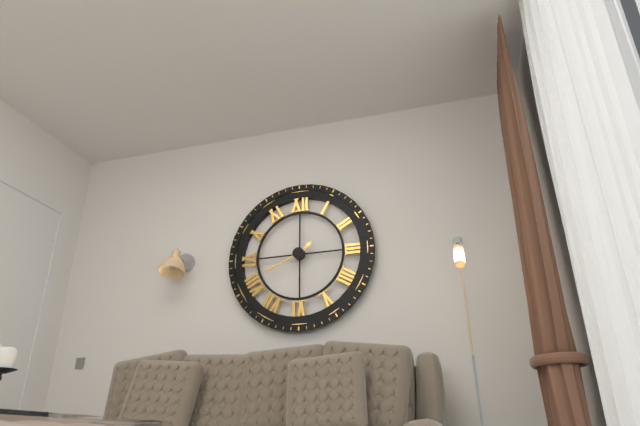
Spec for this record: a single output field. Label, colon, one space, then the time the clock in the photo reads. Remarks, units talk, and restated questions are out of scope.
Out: 1:41
